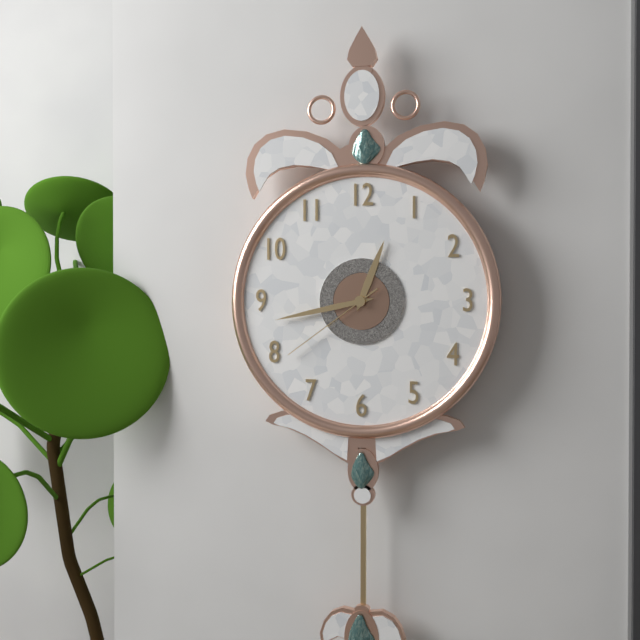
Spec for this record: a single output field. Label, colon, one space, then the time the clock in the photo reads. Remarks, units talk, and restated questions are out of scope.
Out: 12:43:39
